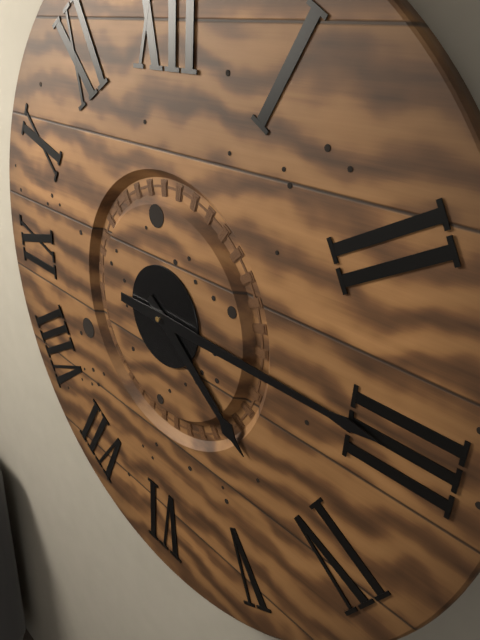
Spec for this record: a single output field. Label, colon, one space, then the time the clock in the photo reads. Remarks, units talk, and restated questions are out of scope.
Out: 4:15
